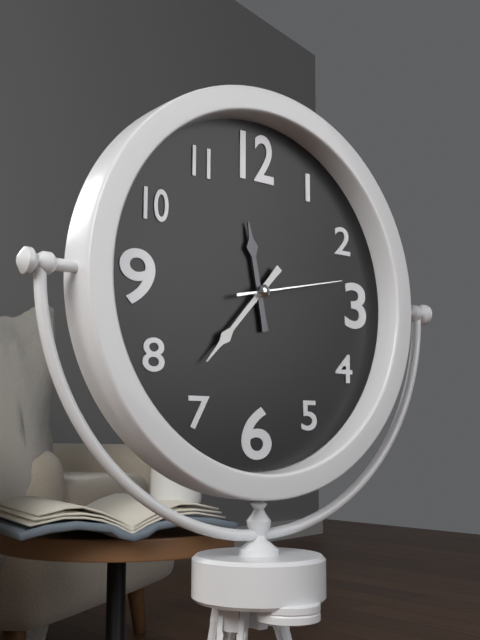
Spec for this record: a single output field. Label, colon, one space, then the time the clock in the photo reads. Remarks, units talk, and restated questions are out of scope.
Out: 11:37:13
